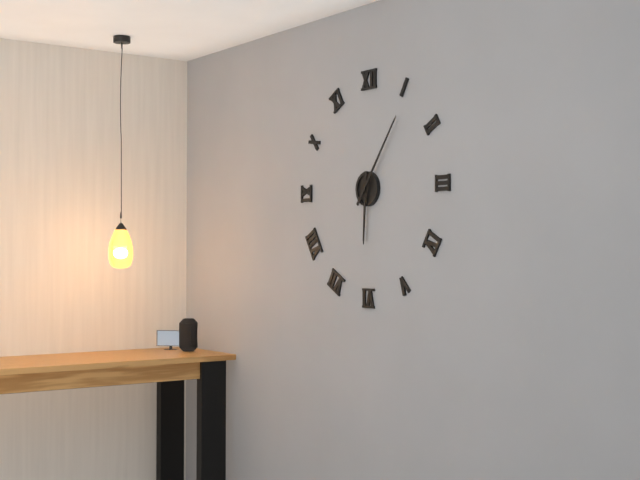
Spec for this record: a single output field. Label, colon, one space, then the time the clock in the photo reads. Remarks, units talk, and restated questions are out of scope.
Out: 6:06
